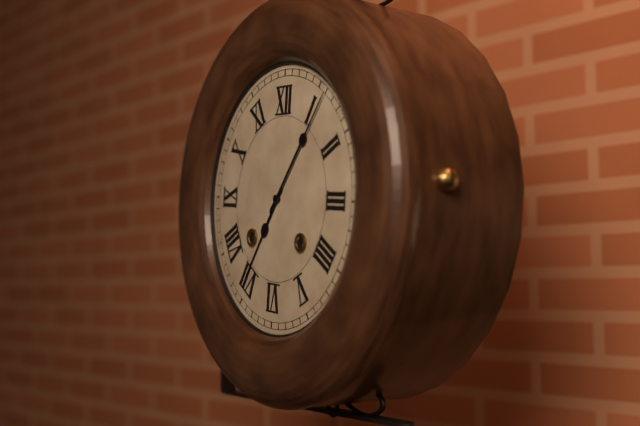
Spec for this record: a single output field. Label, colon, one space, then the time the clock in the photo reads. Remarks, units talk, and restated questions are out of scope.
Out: 7:06
